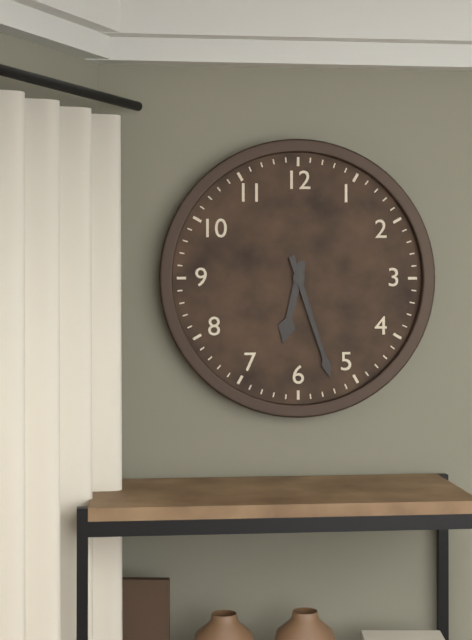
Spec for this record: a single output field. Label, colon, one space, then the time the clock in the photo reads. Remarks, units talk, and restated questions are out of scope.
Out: 6:27
